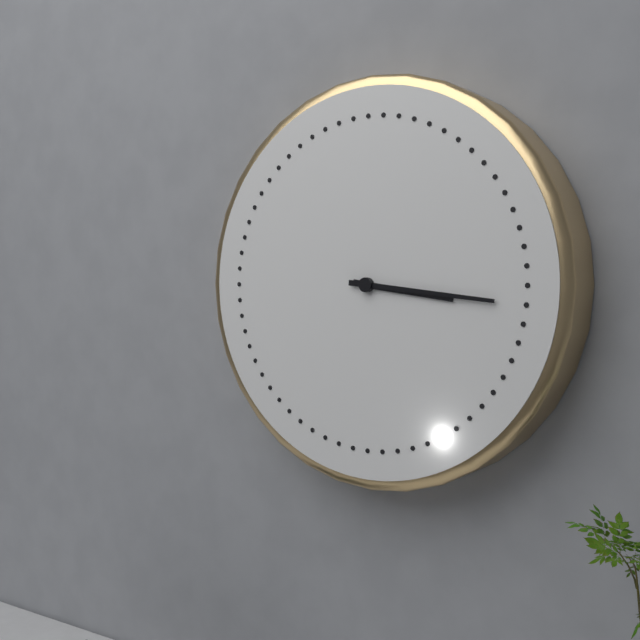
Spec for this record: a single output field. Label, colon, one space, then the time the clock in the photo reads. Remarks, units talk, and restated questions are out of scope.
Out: 3:16
